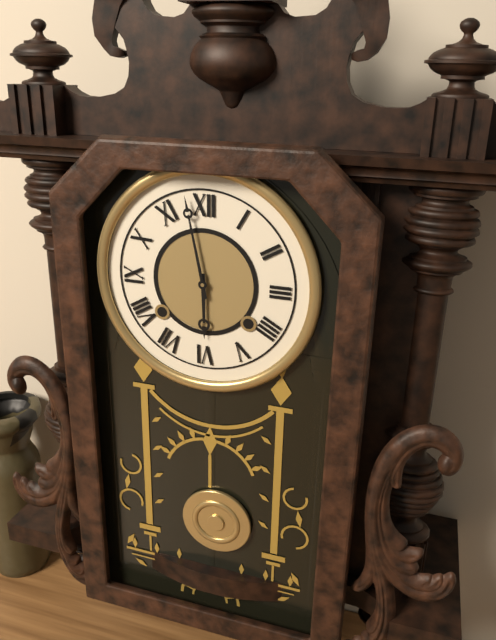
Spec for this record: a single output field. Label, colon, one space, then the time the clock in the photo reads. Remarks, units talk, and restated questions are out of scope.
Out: 5:58
